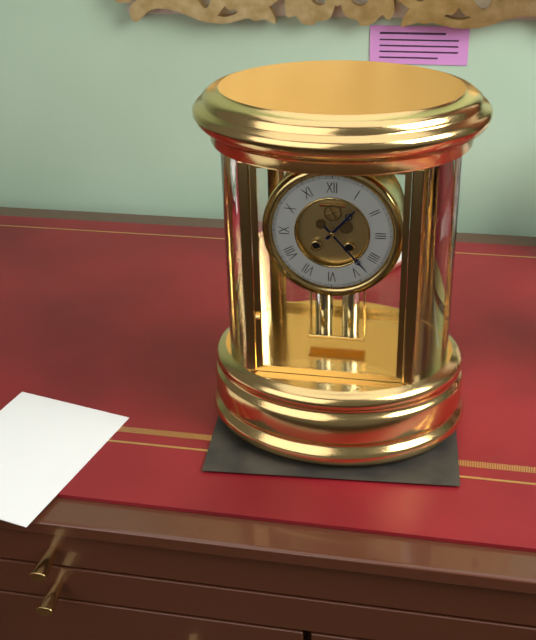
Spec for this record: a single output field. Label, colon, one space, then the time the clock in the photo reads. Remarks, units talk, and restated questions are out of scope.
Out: 1:23
